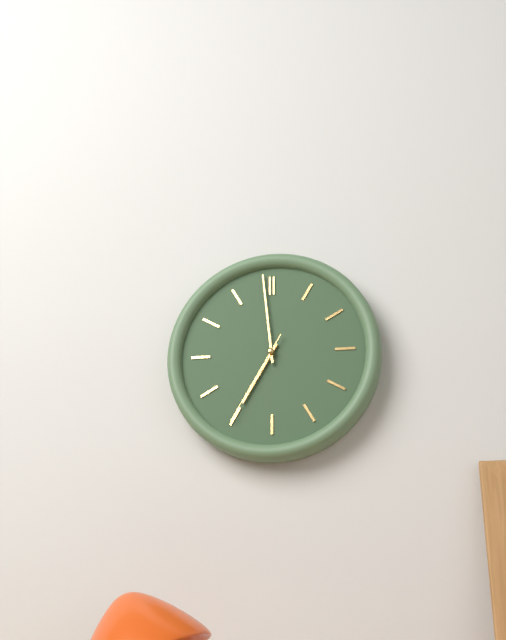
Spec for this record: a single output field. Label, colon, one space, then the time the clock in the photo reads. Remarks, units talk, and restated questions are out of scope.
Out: 6:59:35
